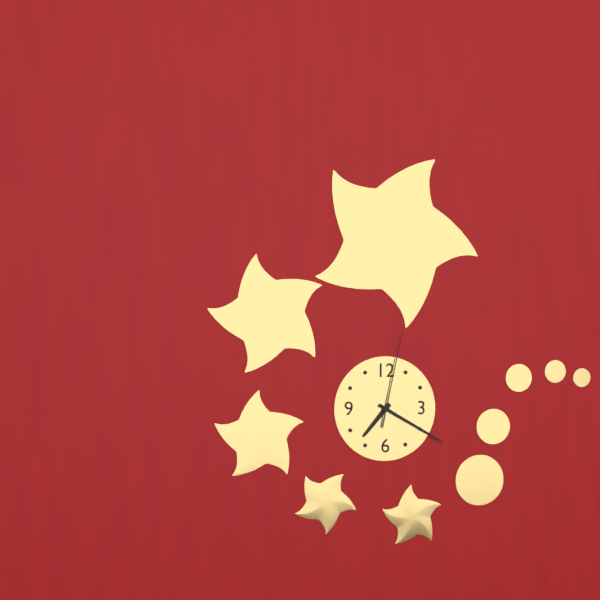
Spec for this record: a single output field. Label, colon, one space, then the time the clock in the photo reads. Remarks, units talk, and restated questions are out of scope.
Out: 7:20:02
